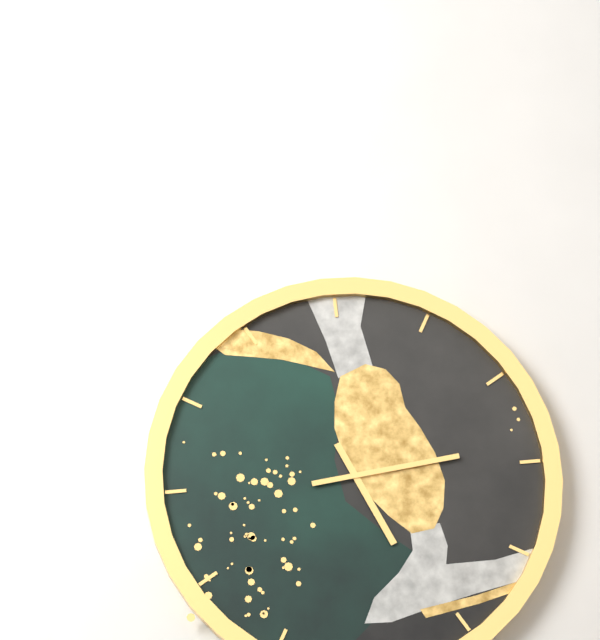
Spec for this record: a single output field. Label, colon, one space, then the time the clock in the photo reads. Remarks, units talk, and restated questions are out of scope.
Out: 5:14
